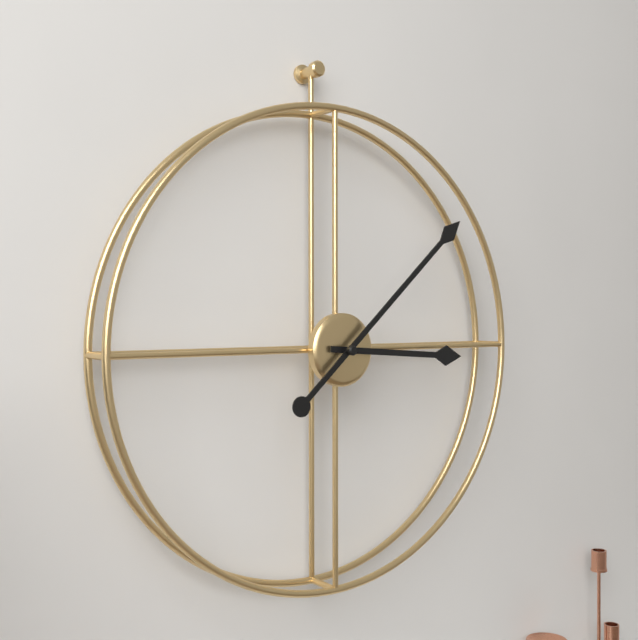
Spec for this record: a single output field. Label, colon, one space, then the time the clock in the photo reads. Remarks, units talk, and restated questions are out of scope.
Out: 3:08
